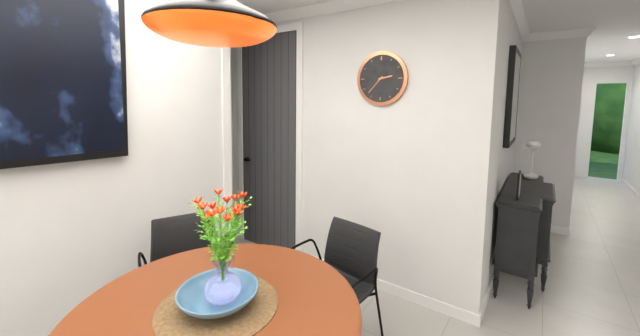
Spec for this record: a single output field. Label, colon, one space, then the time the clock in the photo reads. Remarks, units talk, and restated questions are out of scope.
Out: 2:37
